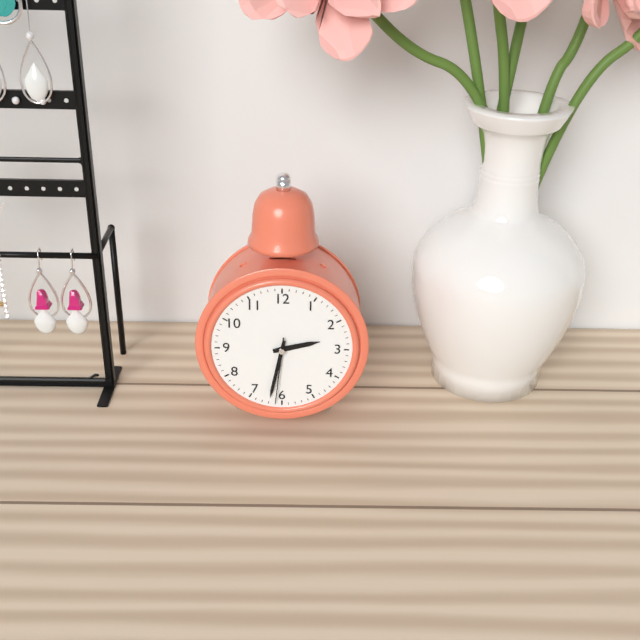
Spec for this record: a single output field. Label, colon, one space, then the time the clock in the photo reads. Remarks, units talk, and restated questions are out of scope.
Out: 2:32:31
